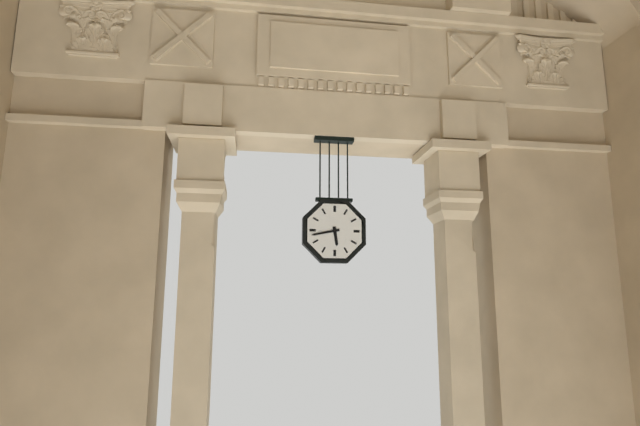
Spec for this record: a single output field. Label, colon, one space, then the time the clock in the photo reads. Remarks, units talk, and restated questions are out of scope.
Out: 5:43
